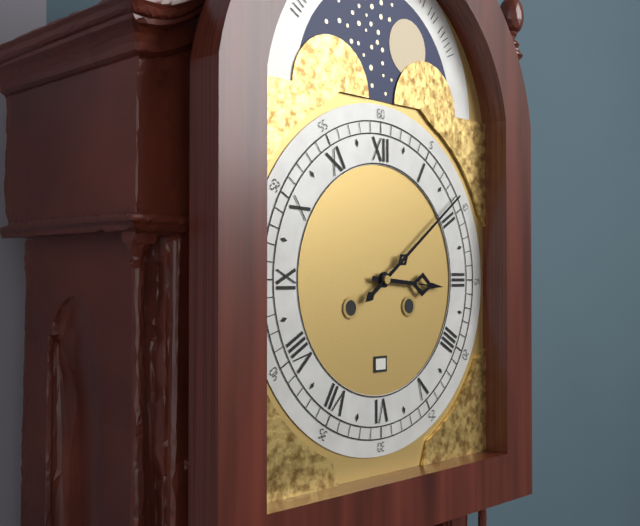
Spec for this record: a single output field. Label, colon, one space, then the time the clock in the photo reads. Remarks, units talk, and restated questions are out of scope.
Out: 3:09
